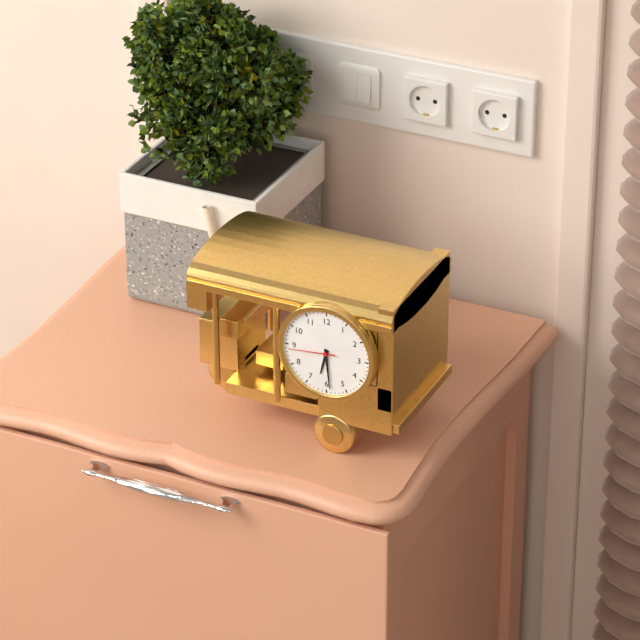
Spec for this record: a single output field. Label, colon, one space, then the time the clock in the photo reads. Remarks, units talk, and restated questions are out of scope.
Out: 6:29
